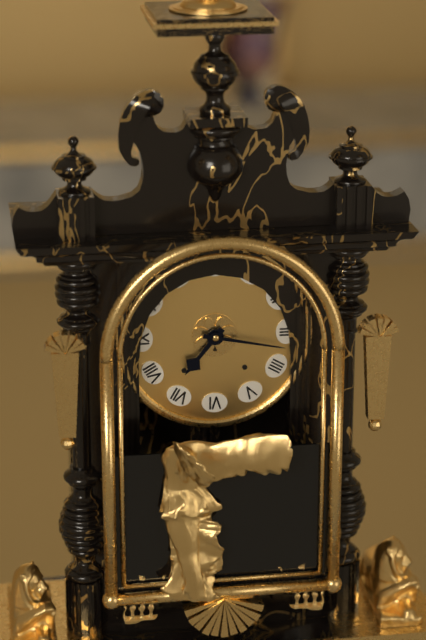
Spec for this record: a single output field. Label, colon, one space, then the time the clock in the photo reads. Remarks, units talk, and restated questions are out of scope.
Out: 7:17
